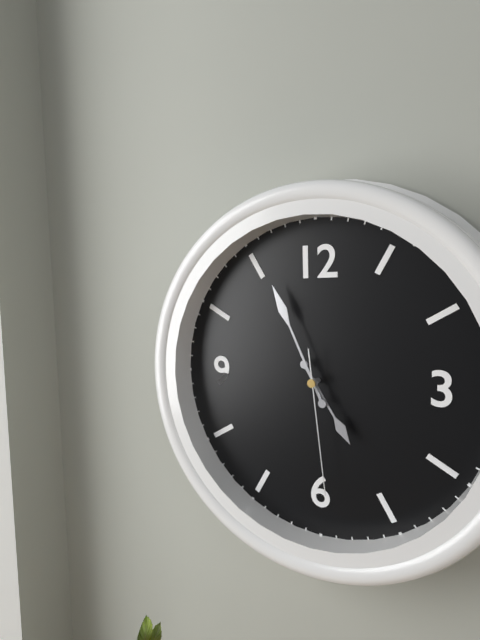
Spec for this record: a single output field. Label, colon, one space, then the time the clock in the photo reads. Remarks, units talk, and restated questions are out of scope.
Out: 4:56:29
